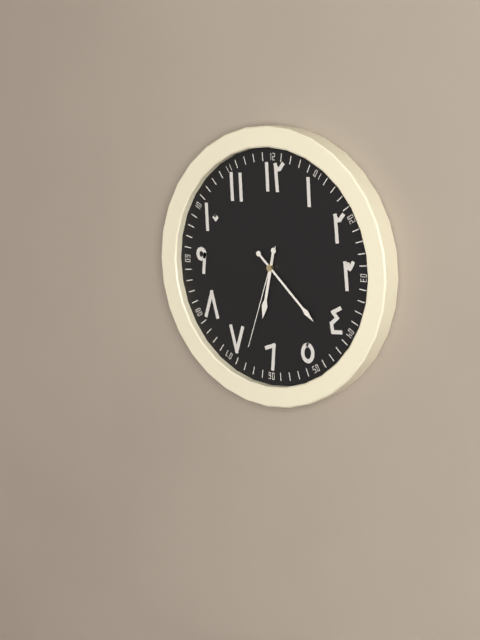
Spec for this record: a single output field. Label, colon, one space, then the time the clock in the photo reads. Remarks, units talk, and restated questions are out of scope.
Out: 6:22:33
